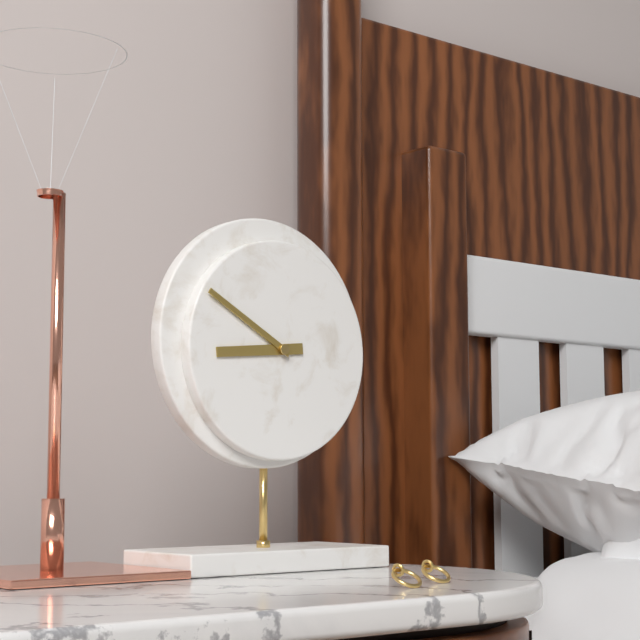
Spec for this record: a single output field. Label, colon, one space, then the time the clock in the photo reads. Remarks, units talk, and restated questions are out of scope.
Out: 8:50
